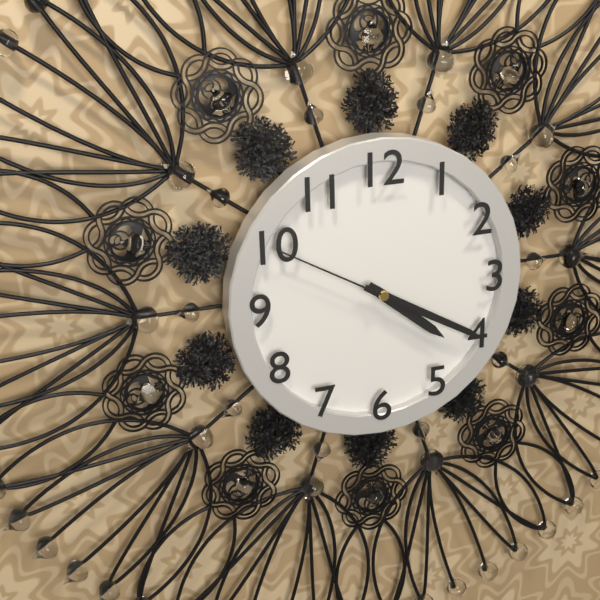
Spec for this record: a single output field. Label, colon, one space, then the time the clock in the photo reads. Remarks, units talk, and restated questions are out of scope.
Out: 4:20:50
